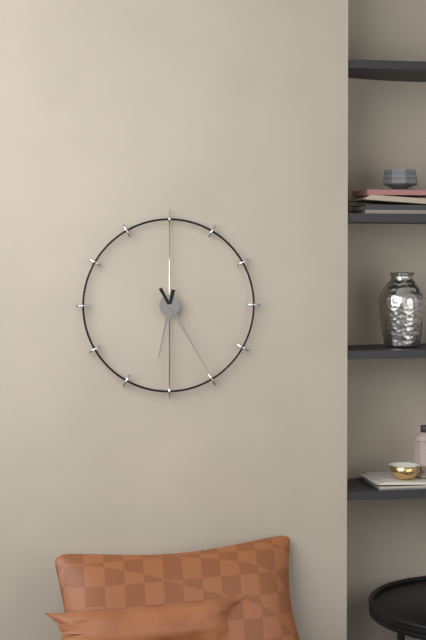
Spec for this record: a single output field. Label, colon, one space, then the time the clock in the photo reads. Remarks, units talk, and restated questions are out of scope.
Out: 6:25
